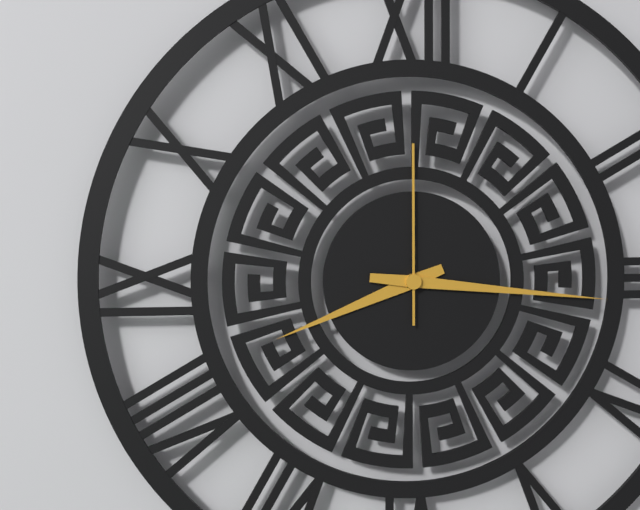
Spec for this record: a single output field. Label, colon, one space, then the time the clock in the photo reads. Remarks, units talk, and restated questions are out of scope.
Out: 8:16:00
